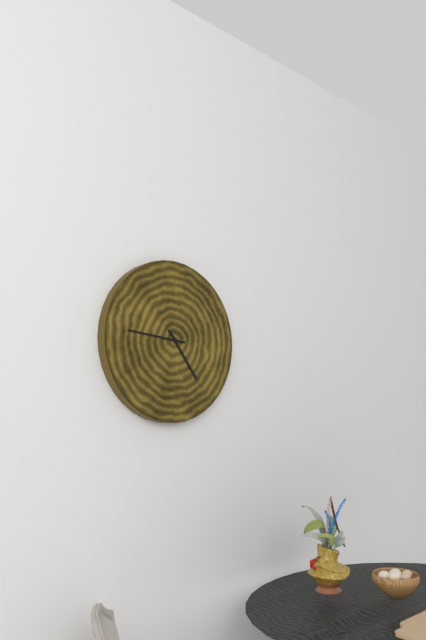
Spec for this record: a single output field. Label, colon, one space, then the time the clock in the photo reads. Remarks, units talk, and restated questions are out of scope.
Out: 4:46
